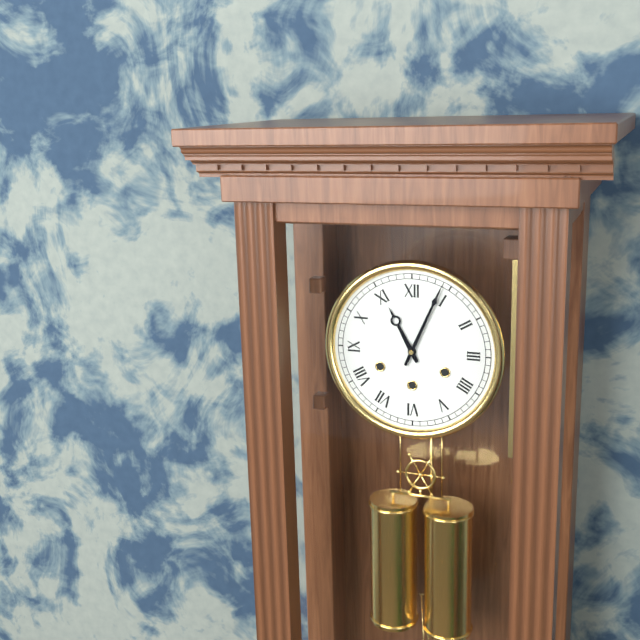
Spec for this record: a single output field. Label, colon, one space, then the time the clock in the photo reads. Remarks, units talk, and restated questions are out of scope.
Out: 11:04
